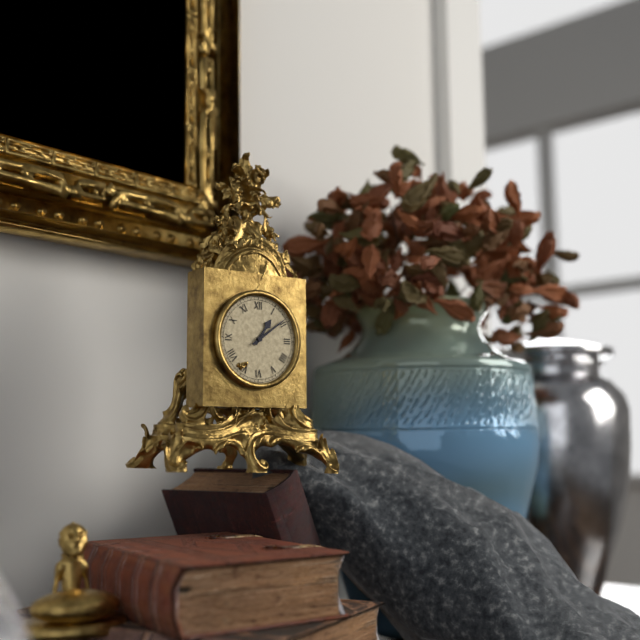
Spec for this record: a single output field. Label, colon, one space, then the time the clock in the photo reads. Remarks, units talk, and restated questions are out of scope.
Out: 1:09
